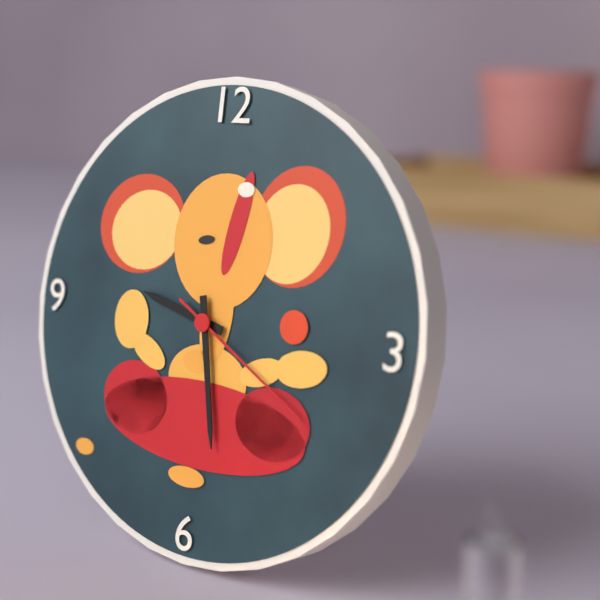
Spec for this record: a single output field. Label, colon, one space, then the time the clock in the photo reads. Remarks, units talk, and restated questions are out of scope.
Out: 9:28:20
